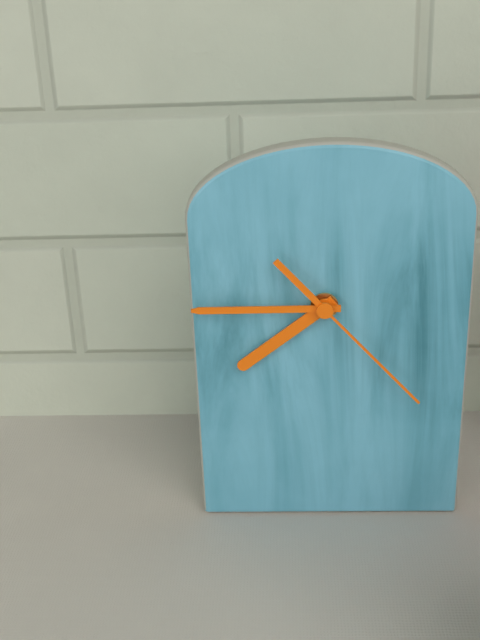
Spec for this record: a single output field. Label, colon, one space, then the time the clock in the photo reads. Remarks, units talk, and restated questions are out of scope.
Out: 7:45:23
